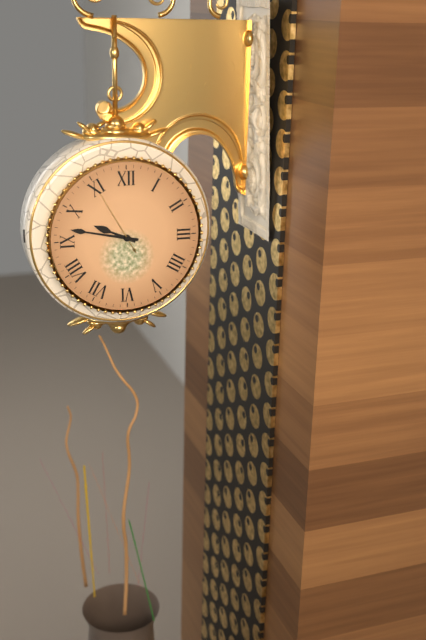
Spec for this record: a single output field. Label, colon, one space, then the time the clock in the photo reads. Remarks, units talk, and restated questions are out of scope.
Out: 9:47:55
